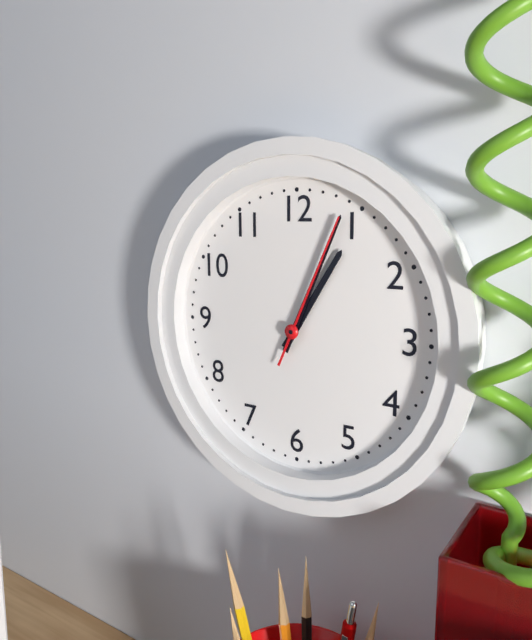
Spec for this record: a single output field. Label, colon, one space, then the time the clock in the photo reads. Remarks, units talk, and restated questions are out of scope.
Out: 1:04:04
